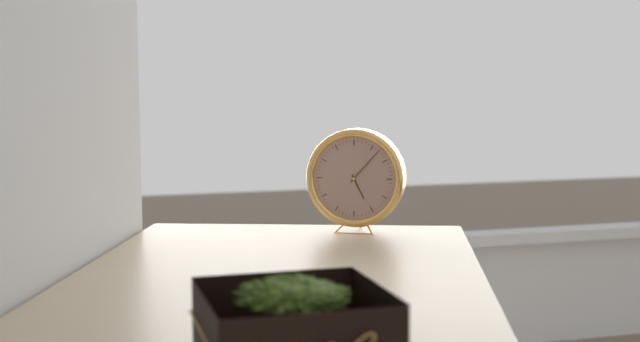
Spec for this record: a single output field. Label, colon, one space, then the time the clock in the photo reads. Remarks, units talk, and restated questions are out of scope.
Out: 5:07
